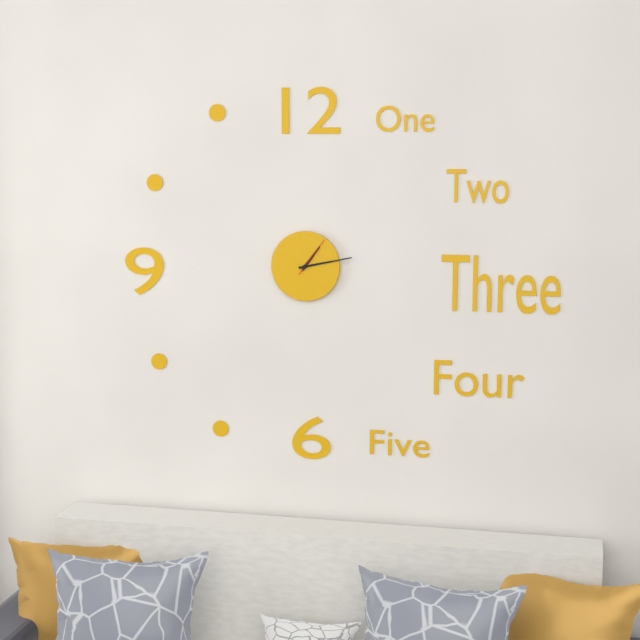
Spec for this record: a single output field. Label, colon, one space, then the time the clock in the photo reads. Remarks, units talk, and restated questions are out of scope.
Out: 1:13
